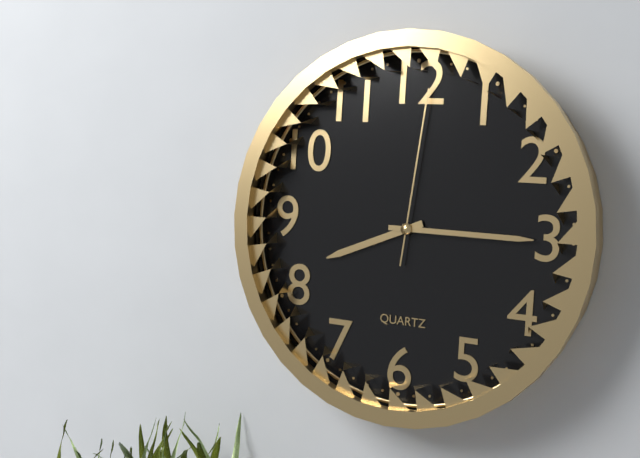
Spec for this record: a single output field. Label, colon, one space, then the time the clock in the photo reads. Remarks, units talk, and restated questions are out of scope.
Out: 8:15:01
